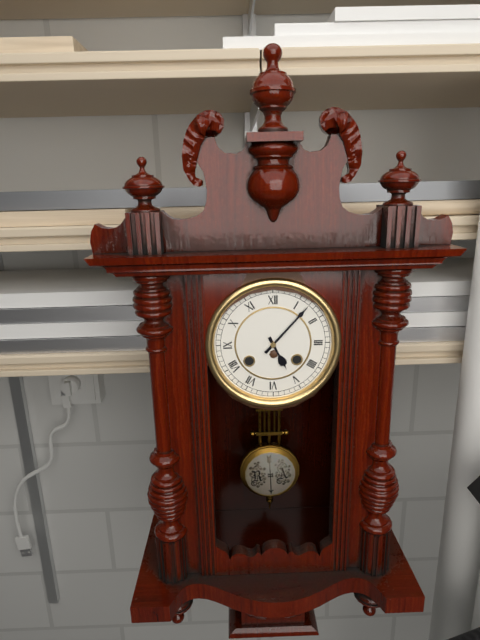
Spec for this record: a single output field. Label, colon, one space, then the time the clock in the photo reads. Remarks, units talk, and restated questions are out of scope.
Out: 5:07
